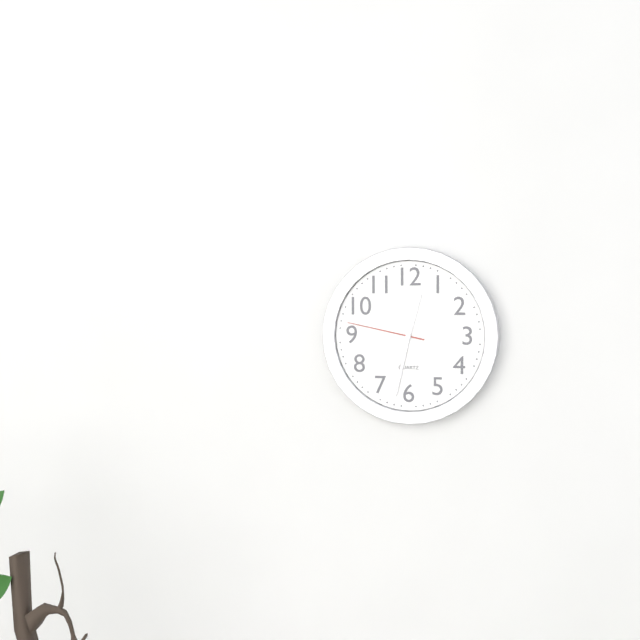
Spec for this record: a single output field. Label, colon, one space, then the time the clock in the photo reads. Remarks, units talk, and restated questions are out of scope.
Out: 12:32:47
